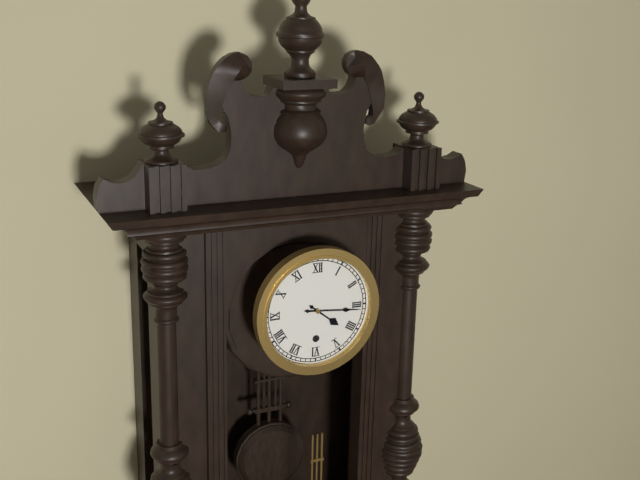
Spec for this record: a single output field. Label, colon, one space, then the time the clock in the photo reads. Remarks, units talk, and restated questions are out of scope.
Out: 4:16
